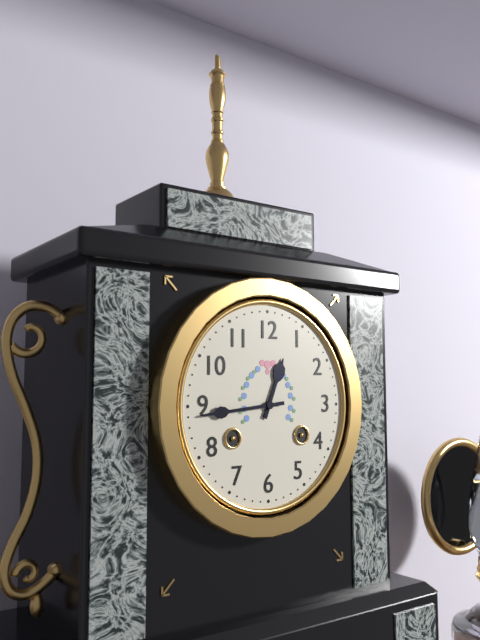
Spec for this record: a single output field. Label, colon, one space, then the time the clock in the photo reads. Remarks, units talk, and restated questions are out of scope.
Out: 12:44
